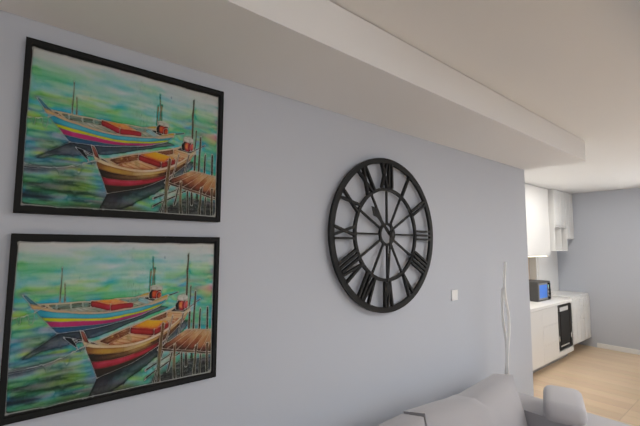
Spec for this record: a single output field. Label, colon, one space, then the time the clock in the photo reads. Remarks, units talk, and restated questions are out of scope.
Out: 10:31
